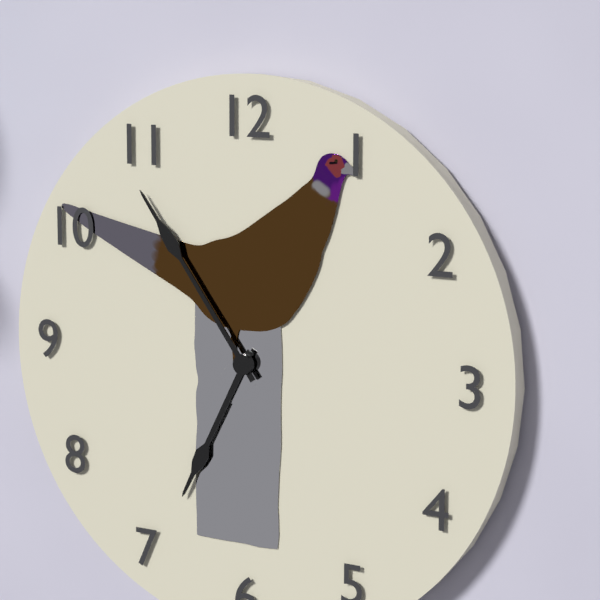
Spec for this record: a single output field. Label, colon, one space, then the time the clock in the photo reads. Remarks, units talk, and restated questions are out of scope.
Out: 6:54
